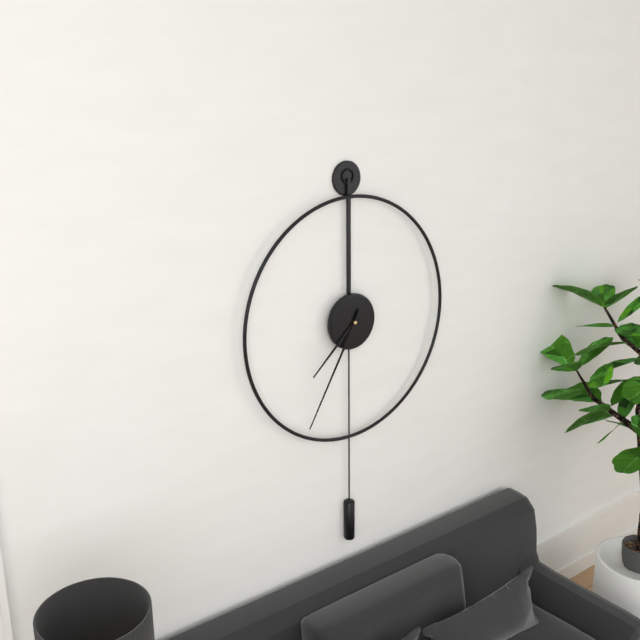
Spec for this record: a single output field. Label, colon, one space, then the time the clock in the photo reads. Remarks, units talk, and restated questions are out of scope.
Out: 7:35
